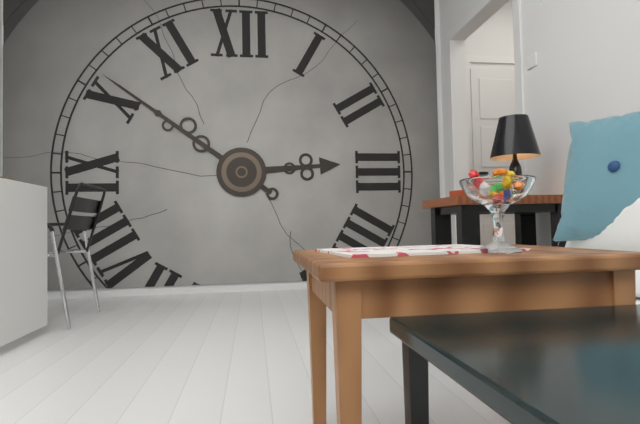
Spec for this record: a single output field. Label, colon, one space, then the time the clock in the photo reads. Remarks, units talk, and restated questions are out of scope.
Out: 2:51
